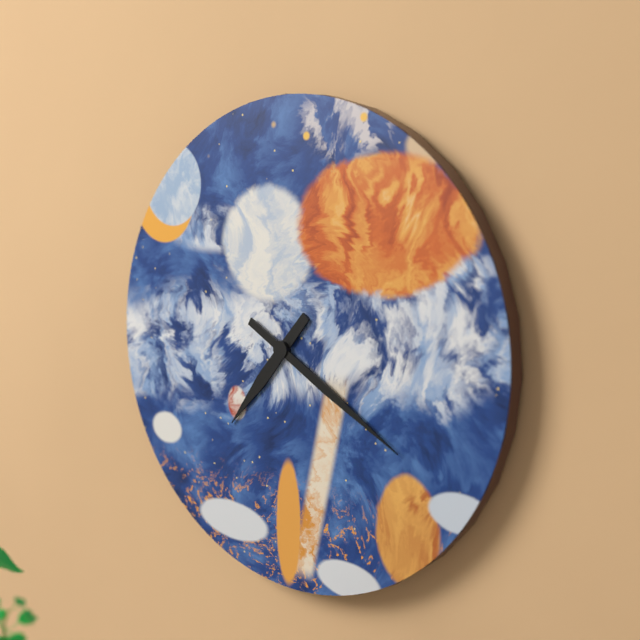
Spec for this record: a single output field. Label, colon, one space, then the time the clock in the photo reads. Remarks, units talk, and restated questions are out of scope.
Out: 7:20
